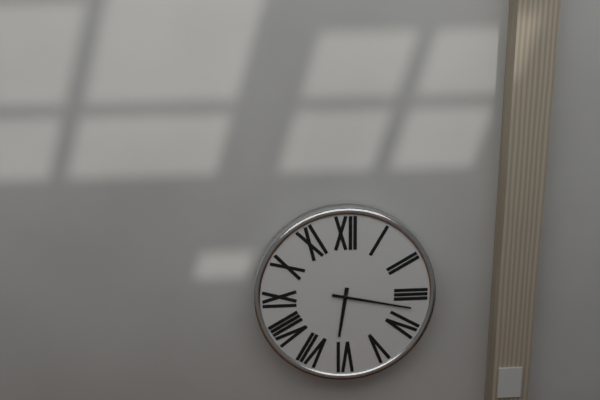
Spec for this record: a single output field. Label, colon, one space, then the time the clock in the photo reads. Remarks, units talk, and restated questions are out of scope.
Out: 6:17
